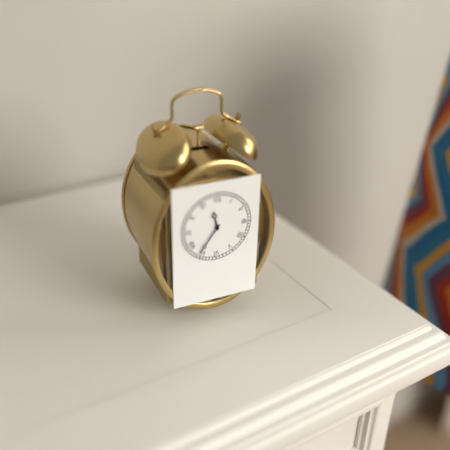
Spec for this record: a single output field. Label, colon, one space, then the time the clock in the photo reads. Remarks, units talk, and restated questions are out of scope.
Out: 11:36
